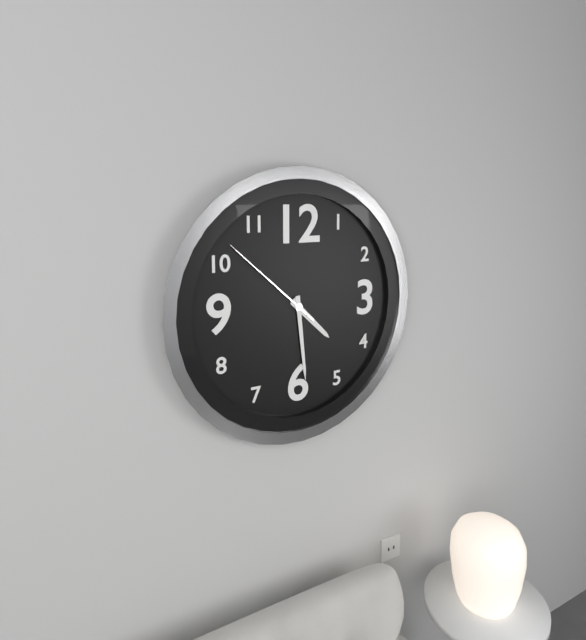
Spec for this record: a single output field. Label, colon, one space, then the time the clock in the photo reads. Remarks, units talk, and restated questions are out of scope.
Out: 4:29:52
